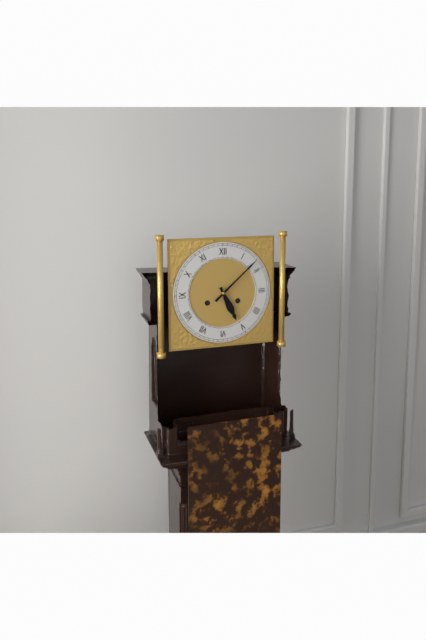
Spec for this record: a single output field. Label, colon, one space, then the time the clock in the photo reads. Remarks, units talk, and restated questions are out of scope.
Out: 5:08
